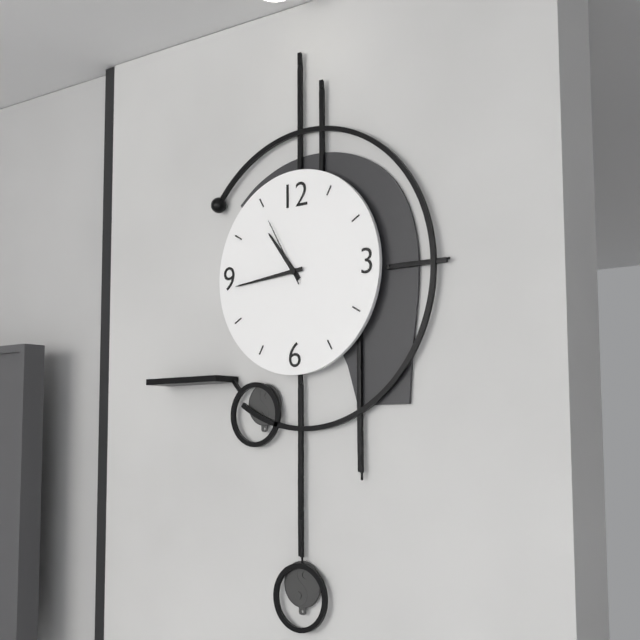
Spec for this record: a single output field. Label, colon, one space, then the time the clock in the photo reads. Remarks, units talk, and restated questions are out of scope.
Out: 10:44:55
